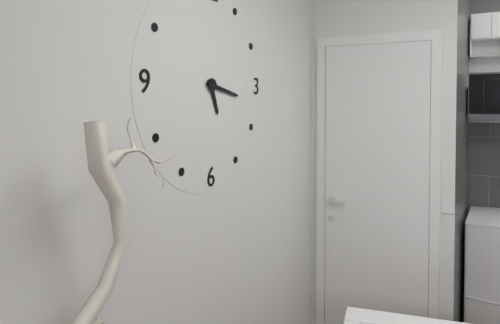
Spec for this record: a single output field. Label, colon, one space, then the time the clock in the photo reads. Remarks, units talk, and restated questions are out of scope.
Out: 5:17
